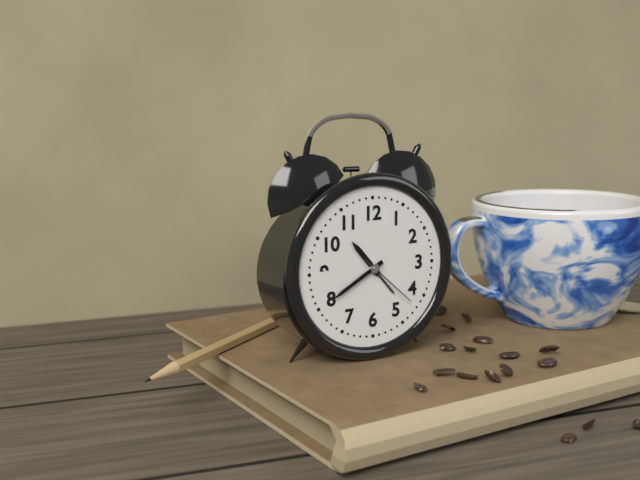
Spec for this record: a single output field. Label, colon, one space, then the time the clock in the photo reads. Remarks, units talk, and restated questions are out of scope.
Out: 10:40:22
